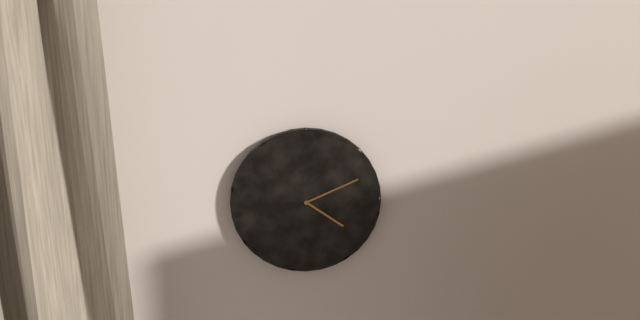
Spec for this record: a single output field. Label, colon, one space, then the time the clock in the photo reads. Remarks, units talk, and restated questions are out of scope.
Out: 4:11
